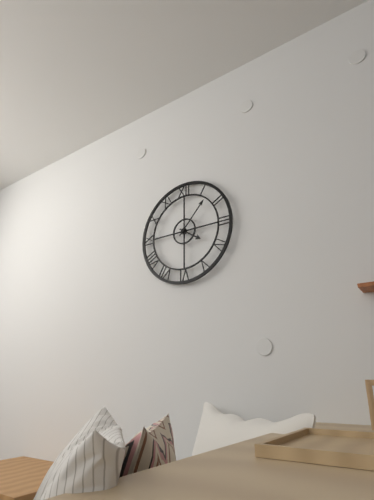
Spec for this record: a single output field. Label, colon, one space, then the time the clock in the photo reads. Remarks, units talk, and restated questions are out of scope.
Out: 4:07
